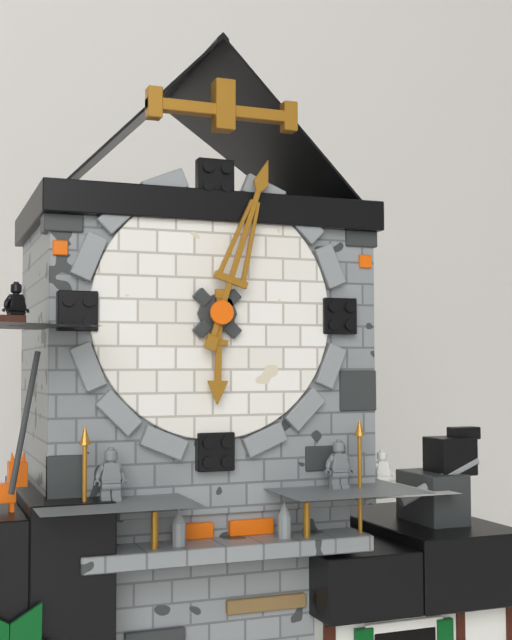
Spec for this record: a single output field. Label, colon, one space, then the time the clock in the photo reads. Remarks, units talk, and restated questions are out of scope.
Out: 6:03
